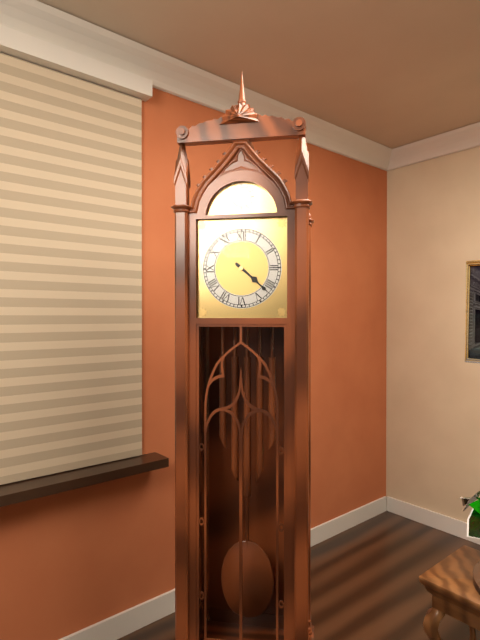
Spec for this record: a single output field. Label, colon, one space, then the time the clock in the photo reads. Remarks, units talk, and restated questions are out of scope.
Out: 4:22
